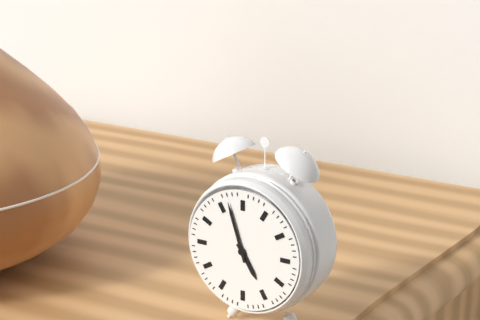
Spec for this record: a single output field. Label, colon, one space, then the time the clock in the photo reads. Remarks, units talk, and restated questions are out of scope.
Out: 4:57
